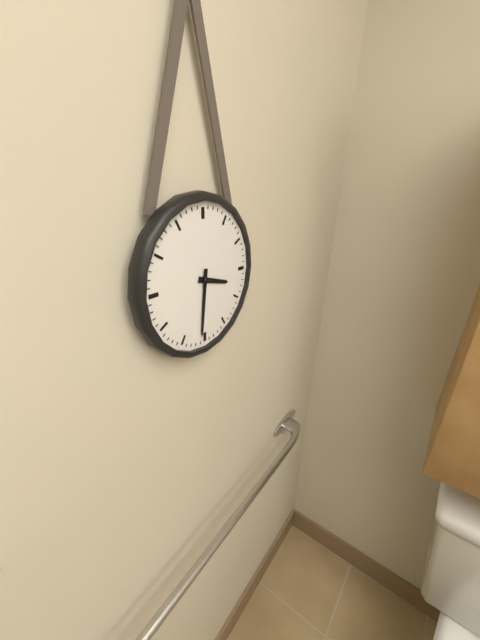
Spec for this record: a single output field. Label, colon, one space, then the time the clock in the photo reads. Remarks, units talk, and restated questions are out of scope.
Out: 3:31
